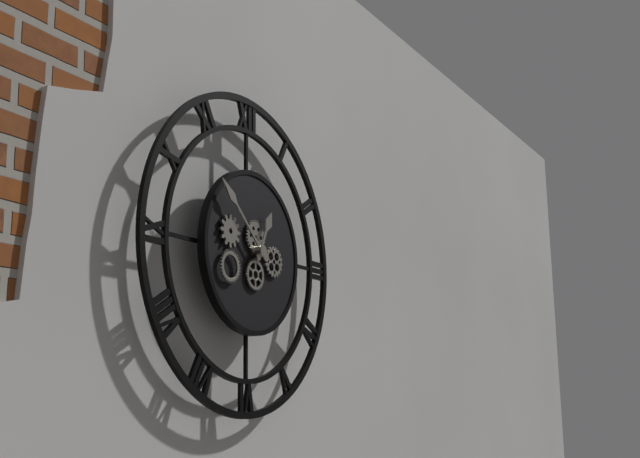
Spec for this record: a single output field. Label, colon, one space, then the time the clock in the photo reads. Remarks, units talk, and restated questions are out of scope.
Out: 12:52
